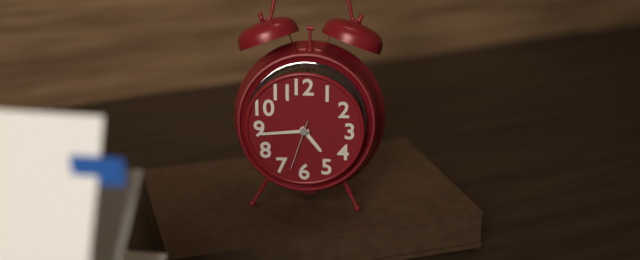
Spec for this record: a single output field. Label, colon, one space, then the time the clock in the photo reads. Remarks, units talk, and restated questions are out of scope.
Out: 4:44:33
